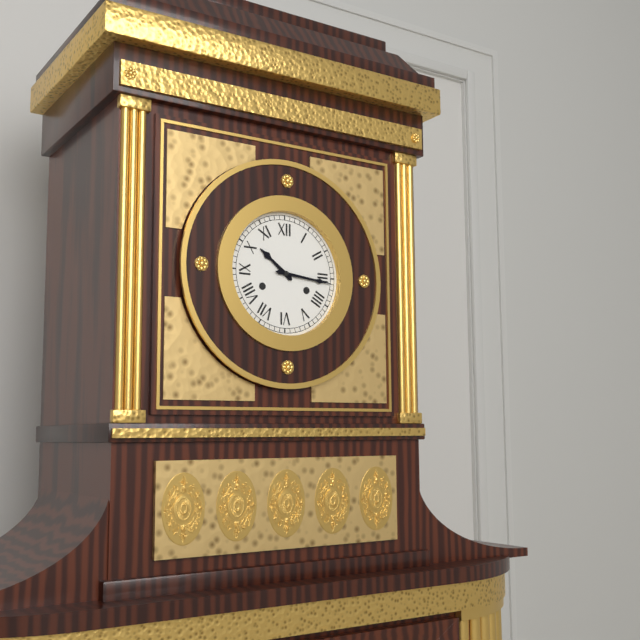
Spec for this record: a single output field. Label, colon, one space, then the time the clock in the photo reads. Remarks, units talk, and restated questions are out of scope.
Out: 10:16
